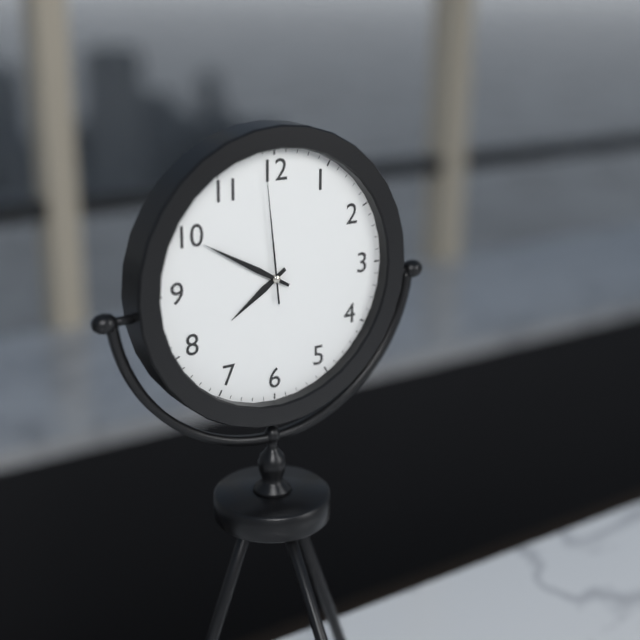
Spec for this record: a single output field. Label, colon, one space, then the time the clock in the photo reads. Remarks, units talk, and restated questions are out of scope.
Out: 7:50:59
